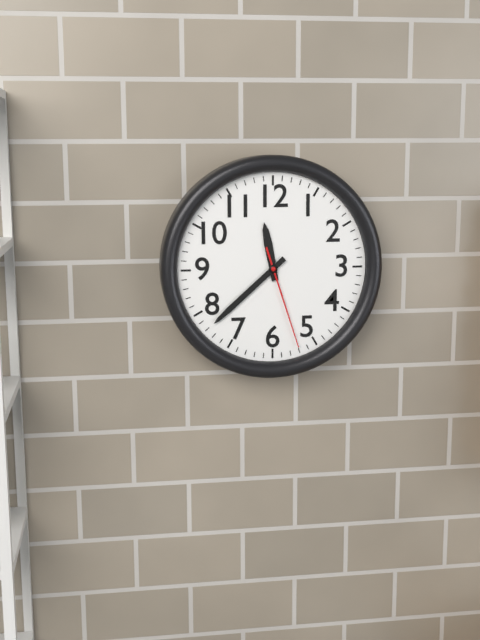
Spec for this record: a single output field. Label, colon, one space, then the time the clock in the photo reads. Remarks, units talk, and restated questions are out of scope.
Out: 11:38:27
